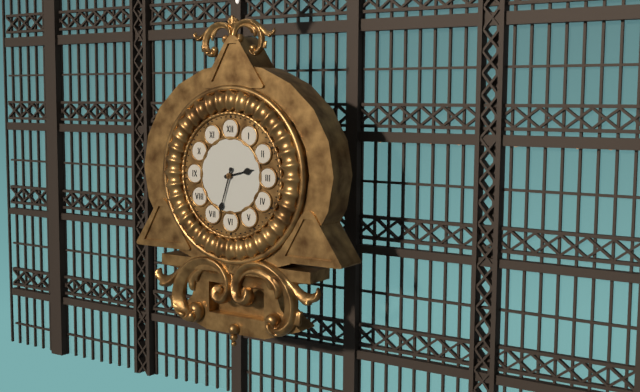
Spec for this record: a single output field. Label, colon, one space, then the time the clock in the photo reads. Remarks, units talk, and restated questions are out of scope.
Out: 2:33
